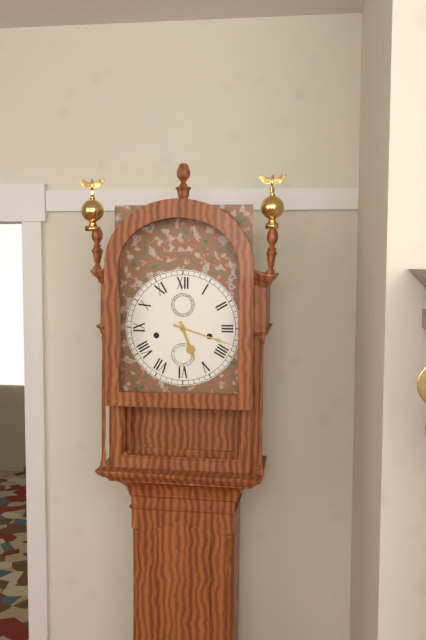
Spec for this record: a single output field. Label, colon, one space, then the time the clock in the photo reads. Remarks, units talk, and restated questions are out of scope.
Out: 5:18
